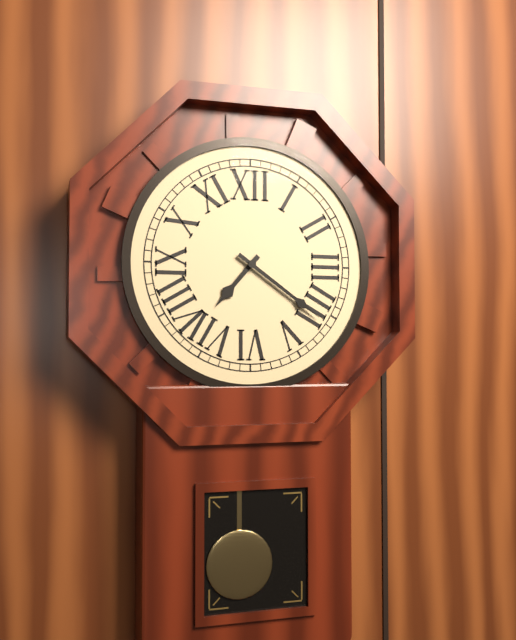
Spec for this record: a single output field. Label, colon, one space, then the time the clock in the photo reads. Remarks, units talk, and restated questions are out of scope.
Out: 7:21
